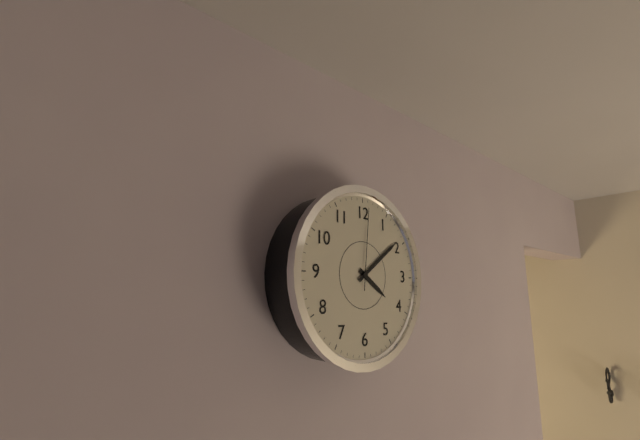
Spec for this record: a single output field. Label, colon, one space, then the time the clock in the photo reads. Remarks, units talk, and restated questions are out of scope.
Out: 4:09:01
